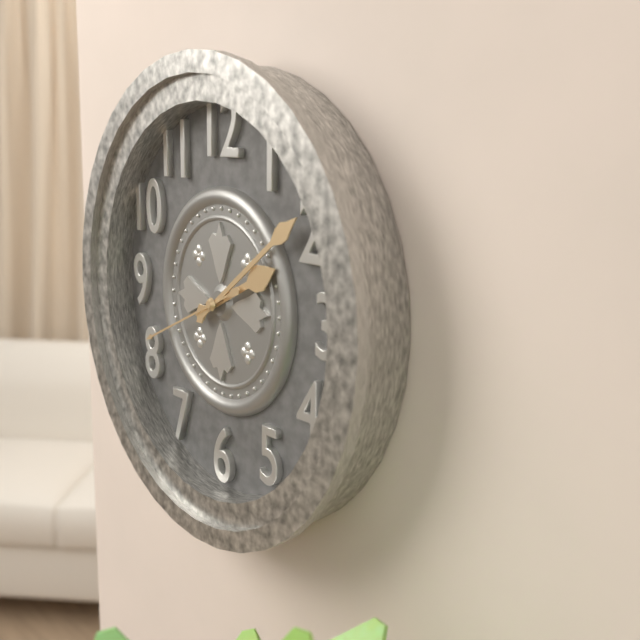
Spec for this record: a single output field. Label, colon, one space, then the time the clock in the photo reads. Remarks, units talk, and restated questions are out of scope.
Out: 2:09:41
